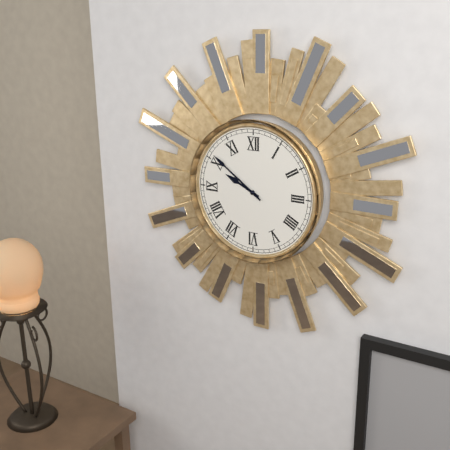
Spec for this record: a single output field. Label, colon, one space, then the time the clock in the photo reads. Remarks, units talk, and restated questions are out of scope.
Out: 9:51
